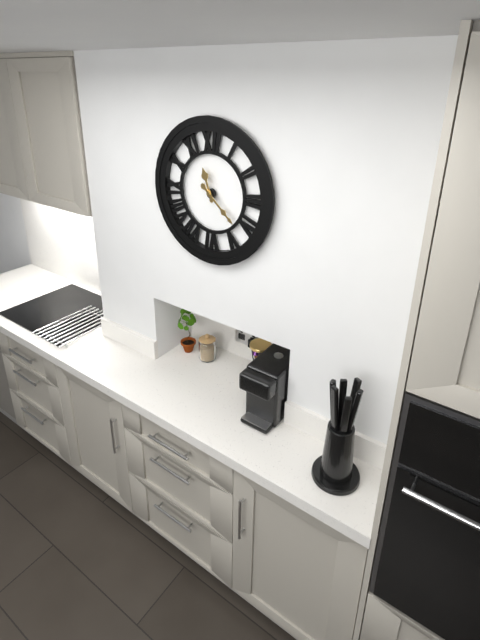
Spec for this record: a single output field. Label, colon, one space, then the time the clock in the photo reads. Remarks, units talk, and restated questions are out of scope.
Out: 11:22
